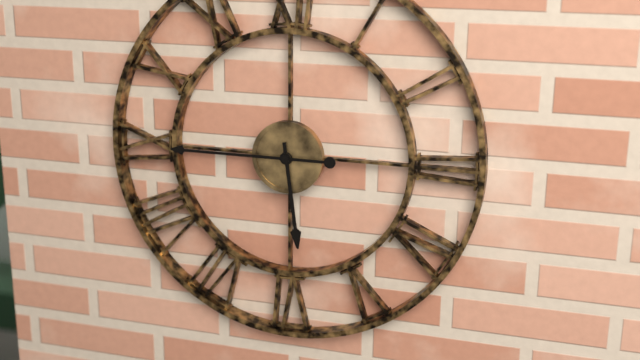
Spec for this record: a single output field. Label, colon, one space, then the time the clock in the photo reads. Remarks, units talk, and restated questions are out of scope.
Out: 5:45
